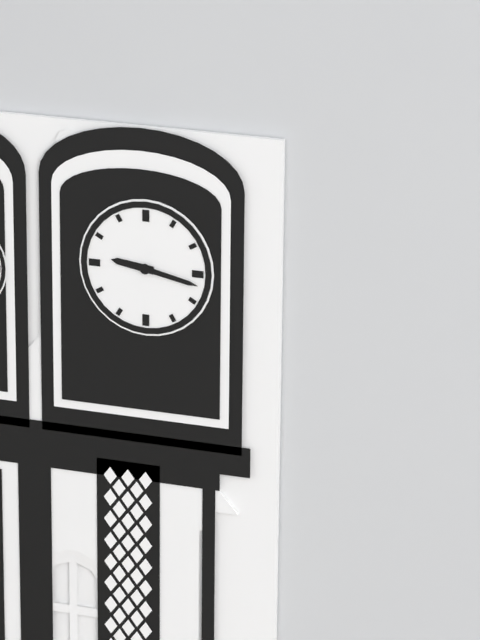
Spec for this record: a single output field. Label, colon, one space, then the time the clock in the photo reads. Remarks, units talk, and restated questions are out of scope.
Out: 9:17
